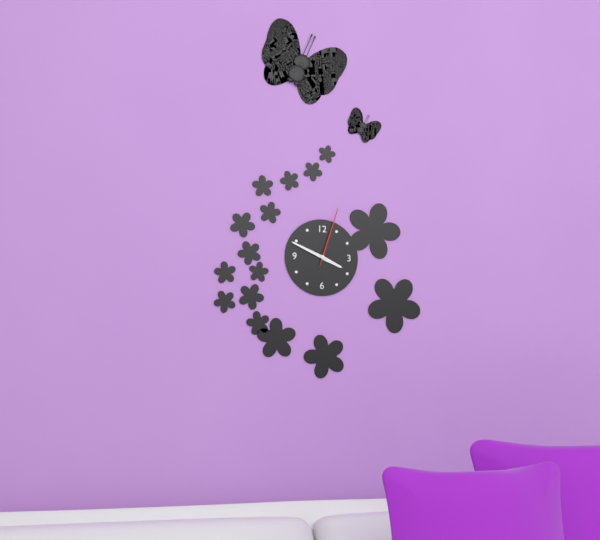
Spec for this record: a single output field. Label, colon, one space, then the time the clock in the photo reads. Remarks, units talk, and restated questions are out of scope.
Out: 3:49:03
